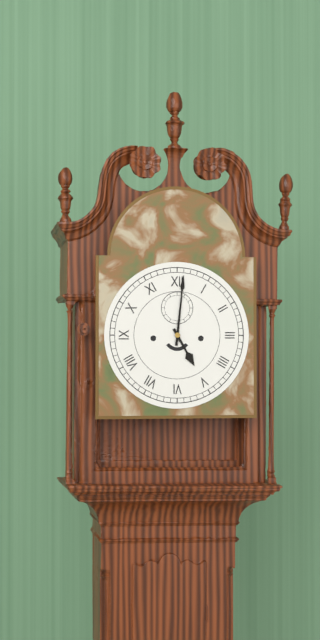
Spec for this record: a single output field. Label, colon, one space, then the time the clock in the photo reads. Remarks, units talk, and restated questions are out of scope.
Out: 5:01
